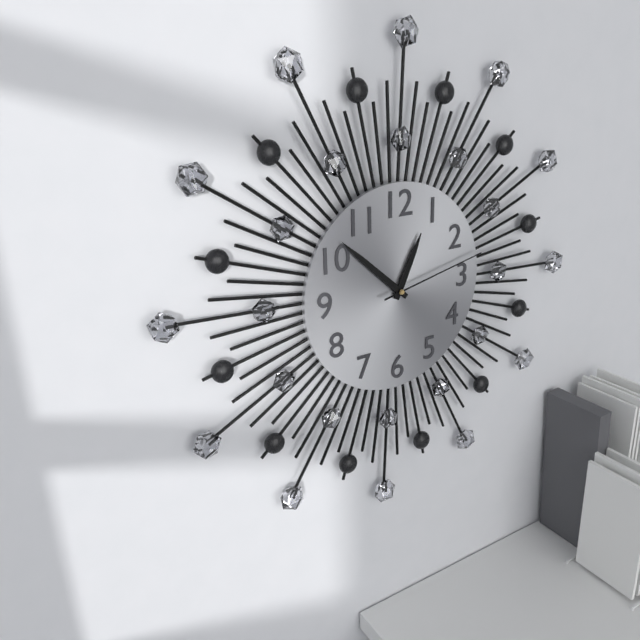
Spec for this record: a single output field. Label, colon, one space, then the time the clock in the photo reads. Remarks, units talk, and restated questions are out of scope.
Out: 12:52:13
